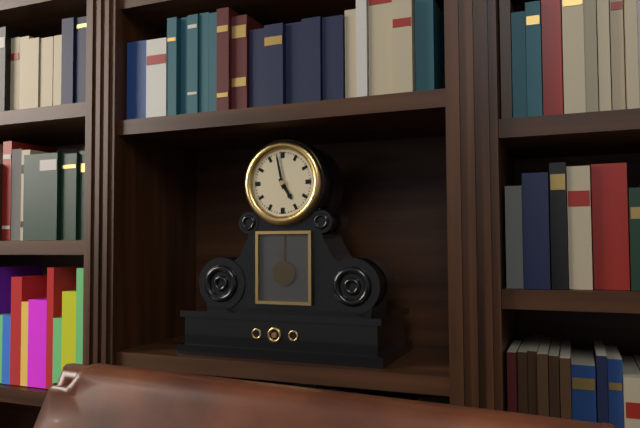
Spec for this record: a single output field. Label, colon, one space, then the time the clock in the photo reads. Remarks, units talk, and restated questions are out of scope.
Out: 4:58
